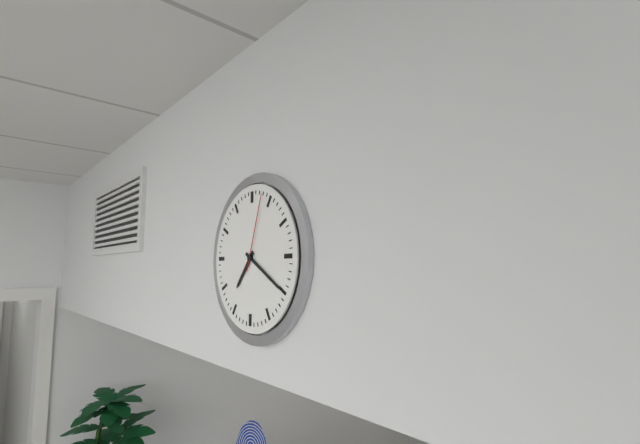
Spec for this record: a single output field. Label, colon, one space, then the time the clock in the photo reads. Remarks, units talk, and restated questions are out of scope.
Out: 7:20:03
